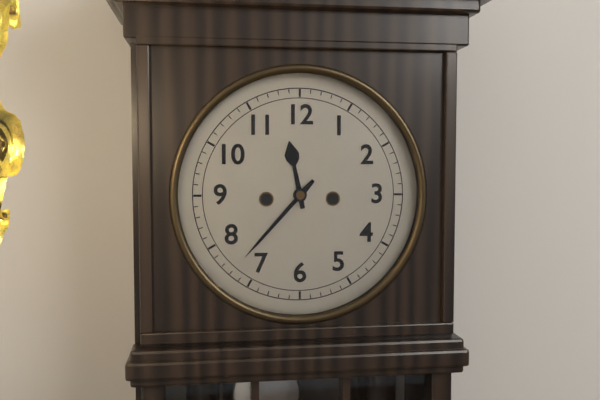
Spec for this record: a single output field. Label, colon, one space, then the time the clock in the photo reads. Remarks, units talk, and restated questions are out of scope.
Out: 11:37
